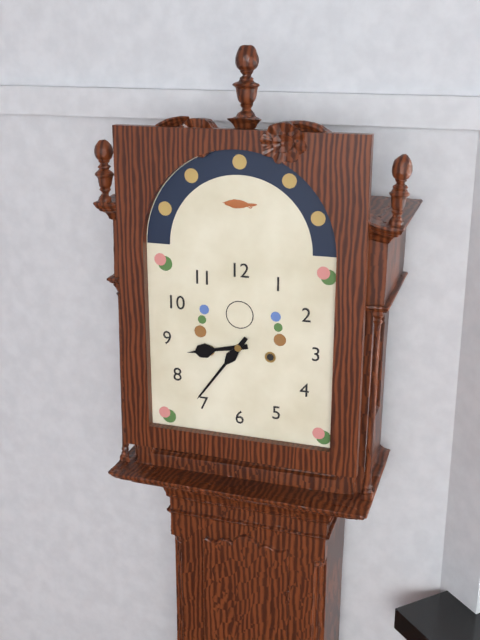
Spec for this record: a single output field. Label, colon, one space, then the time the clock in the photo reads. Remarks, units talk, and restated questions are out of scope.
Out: 8:36
